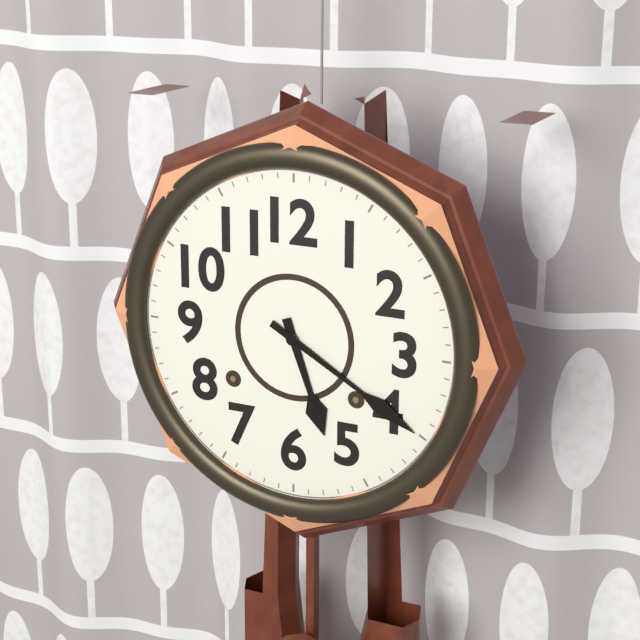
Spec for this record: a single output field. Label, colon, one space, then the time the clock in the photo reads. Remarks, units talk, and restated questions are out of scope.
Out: 5:20
